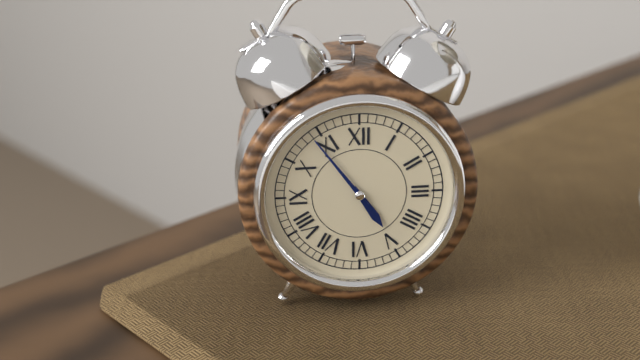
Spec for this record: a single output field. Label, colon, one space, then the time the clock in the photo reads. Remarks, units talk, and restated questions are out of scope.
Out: 4:54
